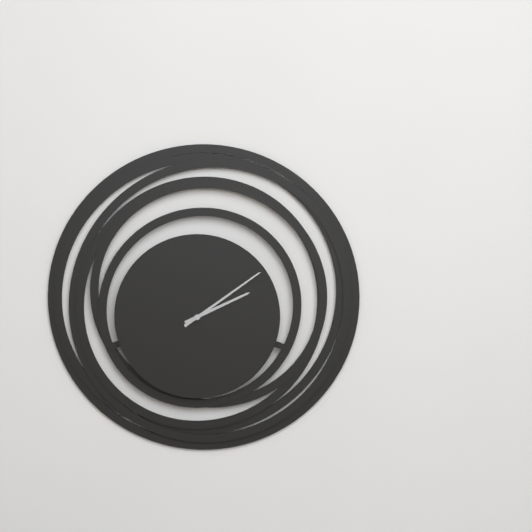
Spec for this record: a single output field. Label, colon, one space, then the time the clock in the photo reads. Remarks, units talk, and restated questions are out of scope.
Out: 2:09
